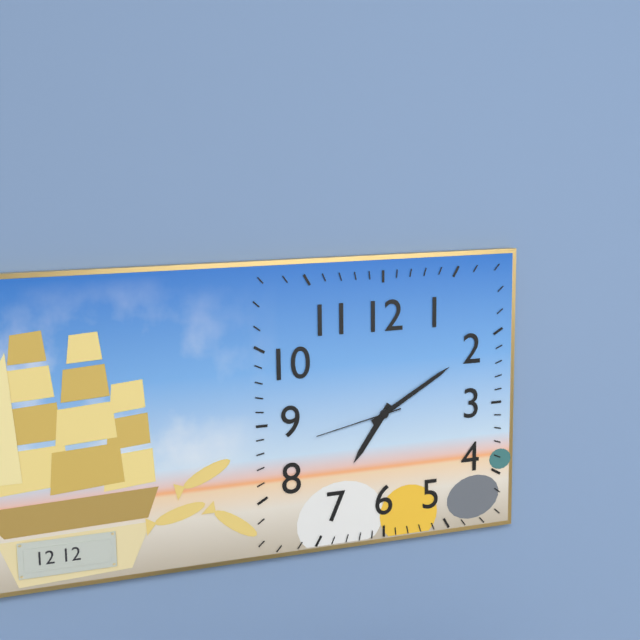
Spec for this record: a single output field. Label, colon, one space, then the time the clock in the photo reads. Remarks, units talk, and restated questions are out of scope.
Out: 7:10:43
